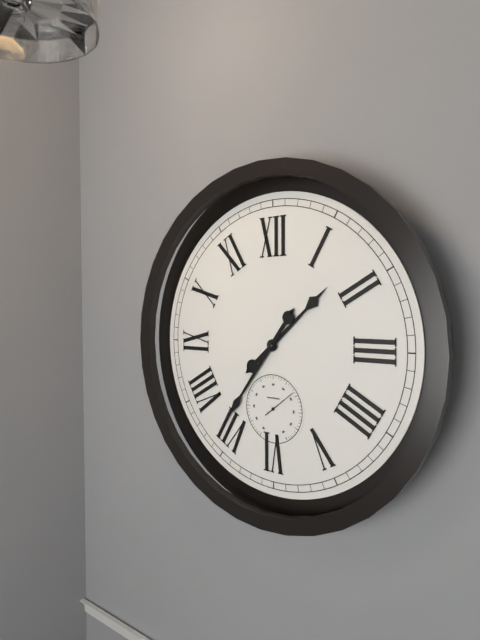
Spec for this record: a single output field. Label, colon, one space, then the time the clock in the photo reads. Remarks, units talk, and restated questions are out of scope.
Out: 1:36
